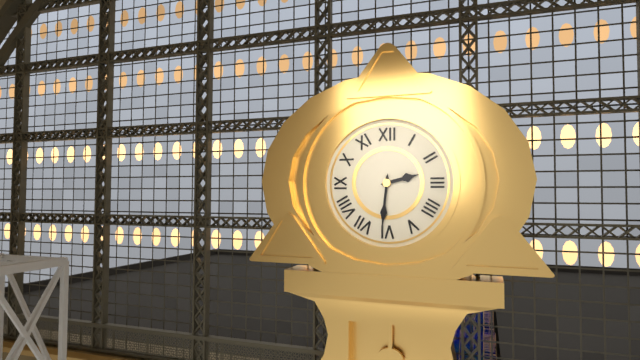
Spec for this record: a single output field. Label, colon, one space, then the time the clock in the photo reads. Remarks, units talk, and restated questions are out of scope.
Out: 2:31
